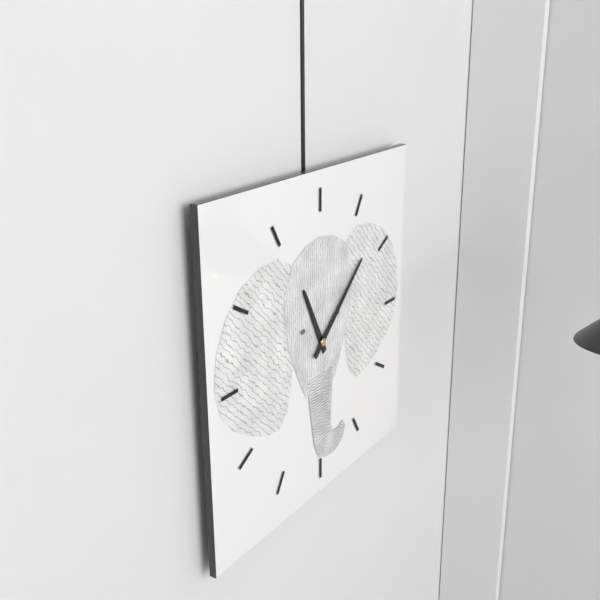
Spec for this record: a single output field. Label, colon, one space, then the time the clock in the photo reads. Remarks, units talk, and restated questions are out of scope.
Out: 11:08
